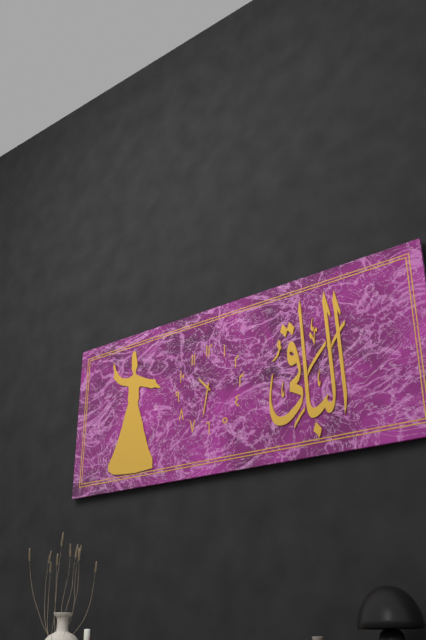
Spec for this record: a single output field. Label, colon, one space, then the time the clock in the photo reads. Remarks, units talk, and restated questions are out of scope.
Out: 10:32
